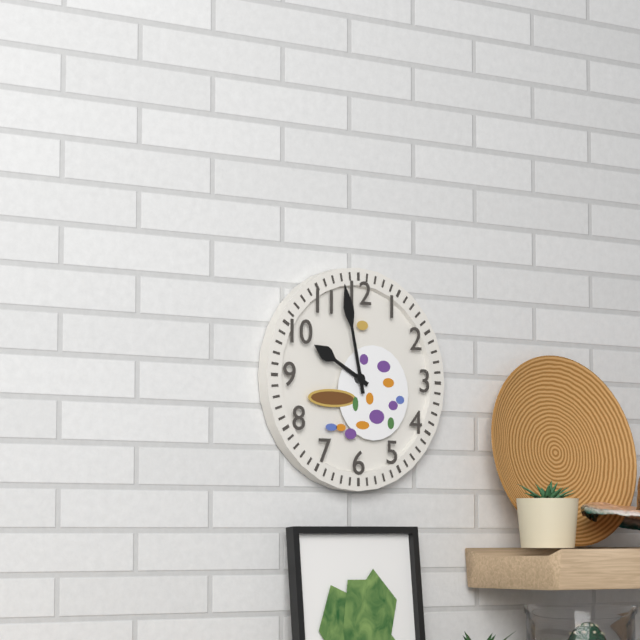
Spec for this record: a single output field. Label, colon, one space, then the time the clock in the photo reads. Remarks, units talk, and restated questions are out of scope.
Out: 9:58
